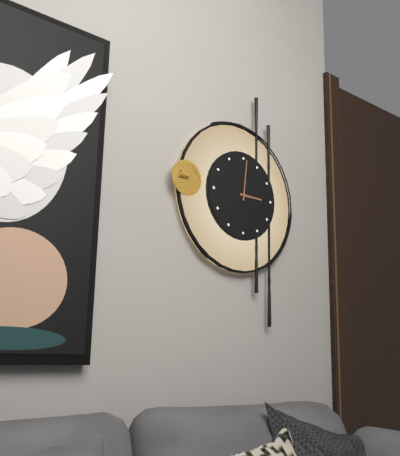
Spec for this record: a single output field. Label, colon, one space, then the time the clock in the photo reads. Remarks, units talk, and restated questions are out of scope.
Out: 3:01
